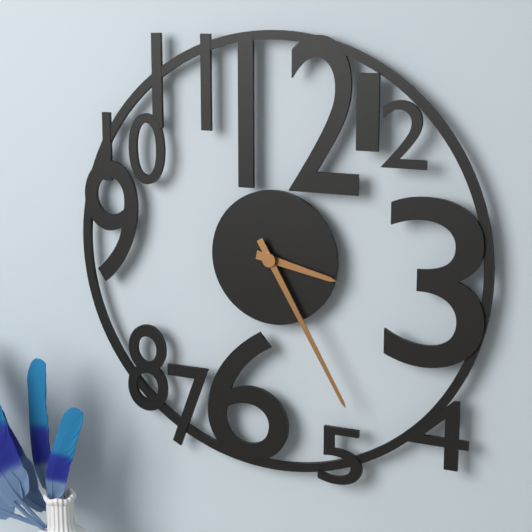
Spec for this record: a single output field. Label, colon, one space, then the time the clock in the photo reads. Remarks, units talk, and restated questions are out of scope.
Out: 3:25
